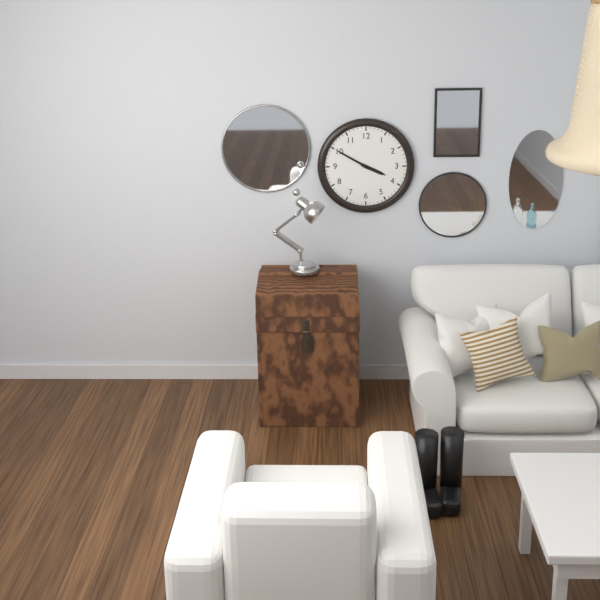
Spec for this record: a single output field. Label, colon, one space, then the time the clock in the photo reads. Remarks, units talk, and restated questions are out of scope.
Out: 3:50
